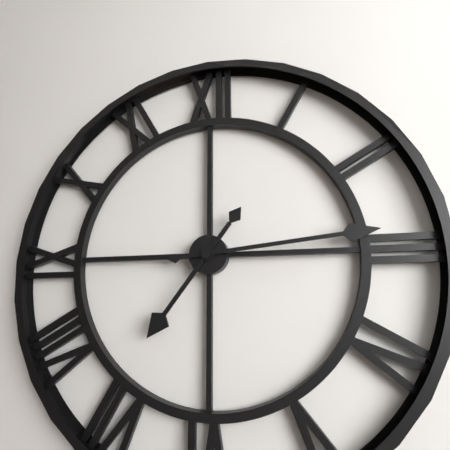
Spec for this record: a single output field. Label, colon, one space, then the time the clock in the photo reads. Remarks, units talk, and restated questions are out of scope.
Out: 7:14
